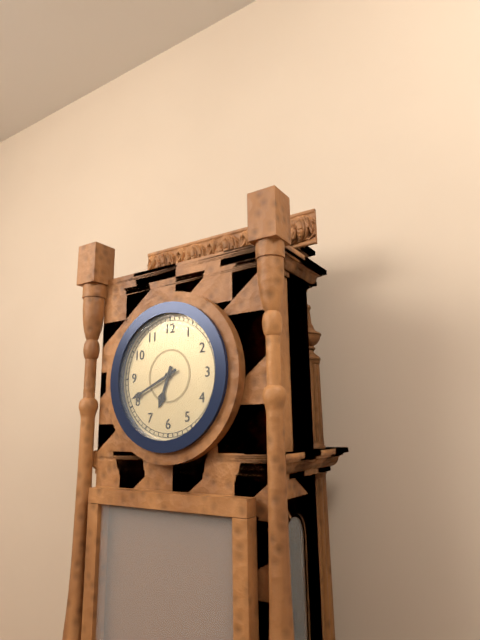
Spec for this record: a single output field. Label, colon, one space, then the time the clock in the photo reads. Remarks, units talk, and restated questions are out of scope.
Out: 6:41
